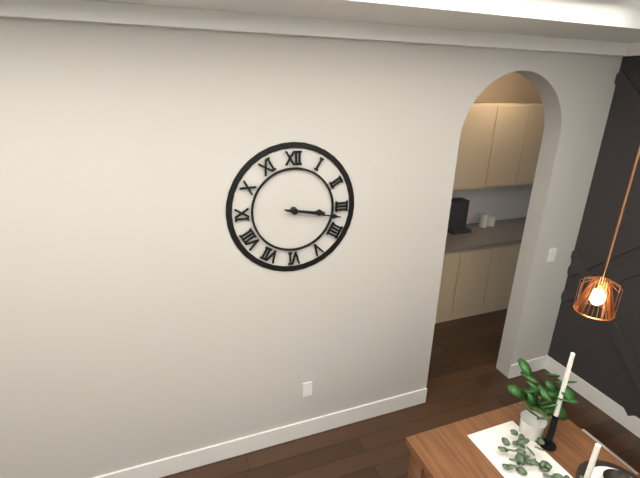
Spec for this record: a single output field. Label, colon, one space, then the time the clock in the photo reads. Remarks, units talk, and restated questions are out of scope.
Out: 3:17
